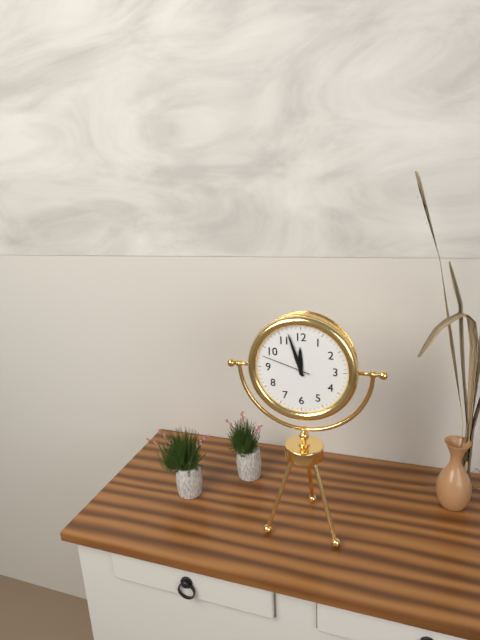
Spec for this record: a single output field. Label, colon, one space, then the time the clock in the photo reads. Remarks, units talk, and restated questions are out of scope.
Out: 11:57:48
